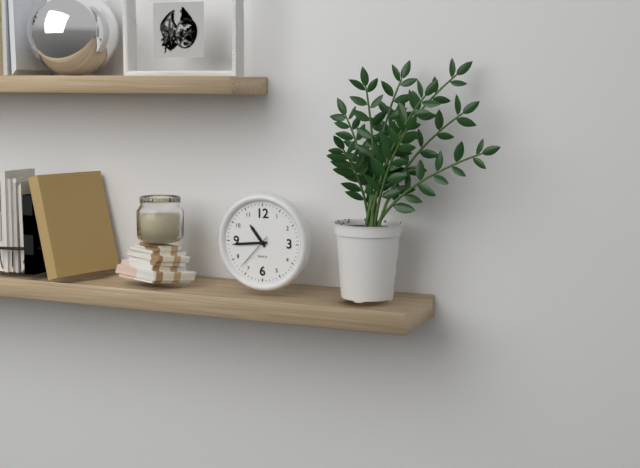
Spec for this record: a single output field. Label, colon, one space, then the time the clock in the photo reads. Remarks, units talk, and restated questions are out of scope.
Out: 10:44
